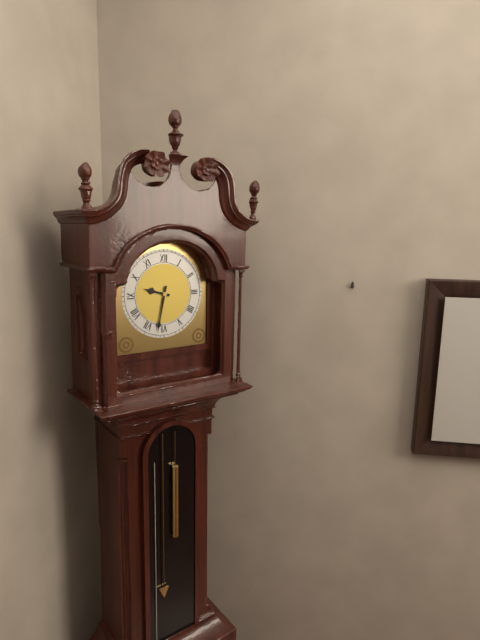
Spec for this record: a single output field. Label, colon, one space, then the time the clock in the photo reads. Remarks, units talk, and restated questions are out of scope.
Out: 9:32
